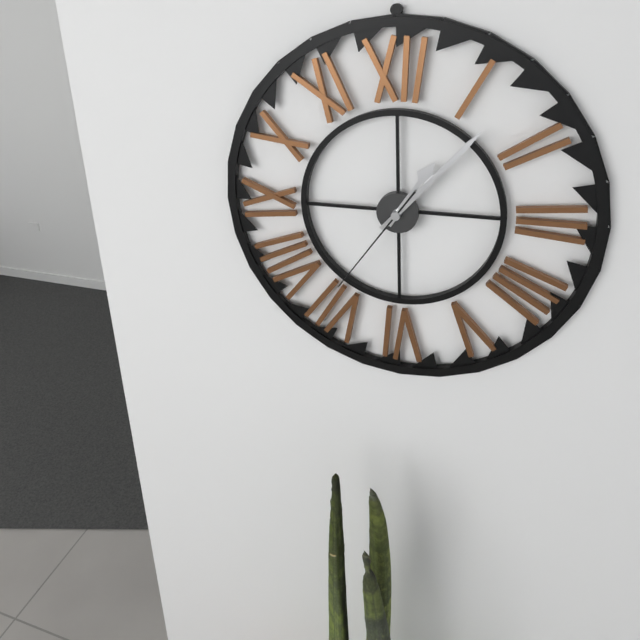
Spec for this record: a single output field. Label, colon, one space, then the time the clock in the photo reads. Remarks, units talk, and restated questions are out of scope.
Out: 1:07:36
